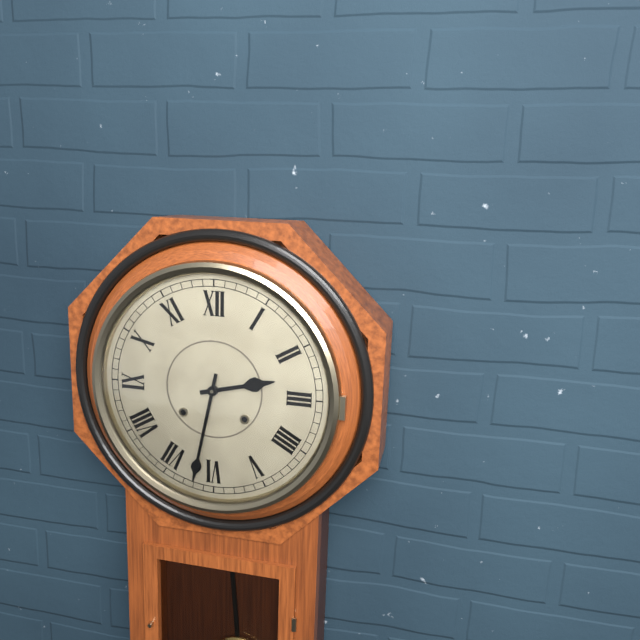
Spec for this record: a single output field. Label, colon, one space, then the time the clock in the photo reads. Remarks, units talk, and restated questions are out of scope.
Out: 2:32
